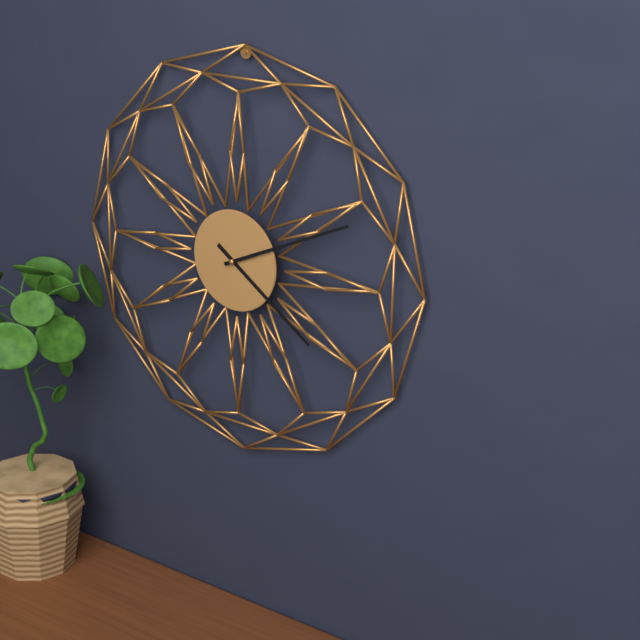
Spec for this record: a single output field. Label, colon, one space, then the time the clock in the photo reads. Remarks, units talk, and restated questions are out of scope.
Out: 4:11
